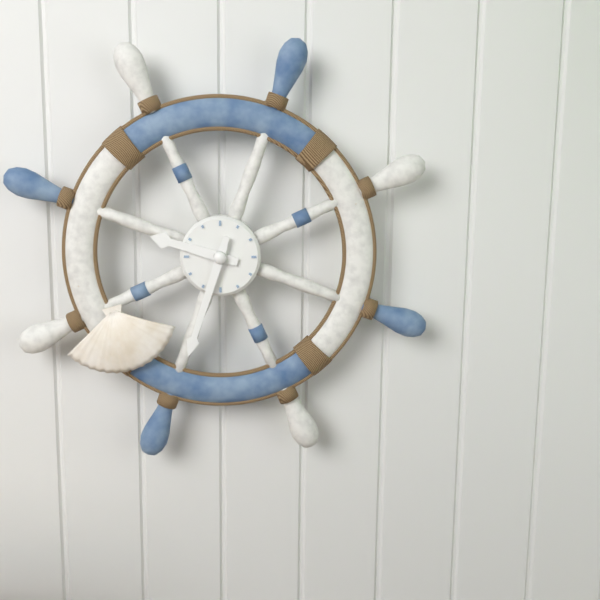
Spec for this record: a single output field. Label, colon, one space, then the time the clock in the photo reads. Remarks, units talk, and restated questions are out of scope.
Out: 9:33
